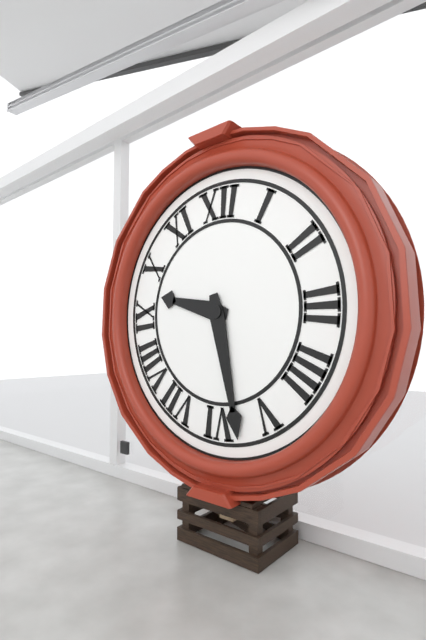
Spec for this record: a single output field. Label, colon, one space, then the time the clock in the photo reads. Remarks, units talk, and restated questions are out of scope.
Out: 9:28
